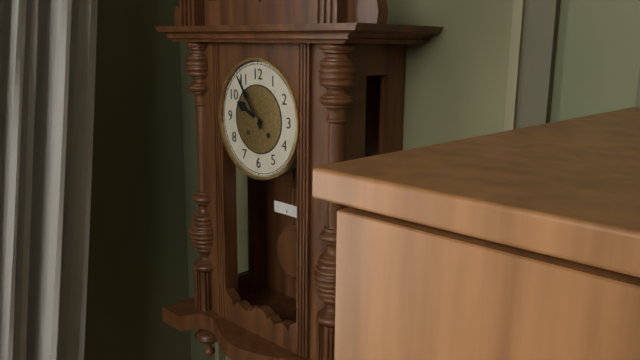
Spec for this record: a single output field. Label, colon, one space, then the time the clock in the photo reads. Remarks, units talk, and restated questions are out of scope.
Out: 9:54
